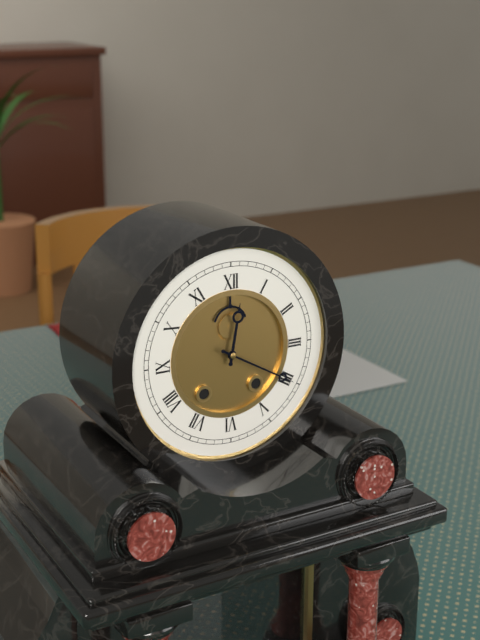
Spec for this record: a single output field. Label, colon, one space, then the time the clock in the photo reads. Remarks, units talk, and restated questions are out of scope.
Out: 12:20
